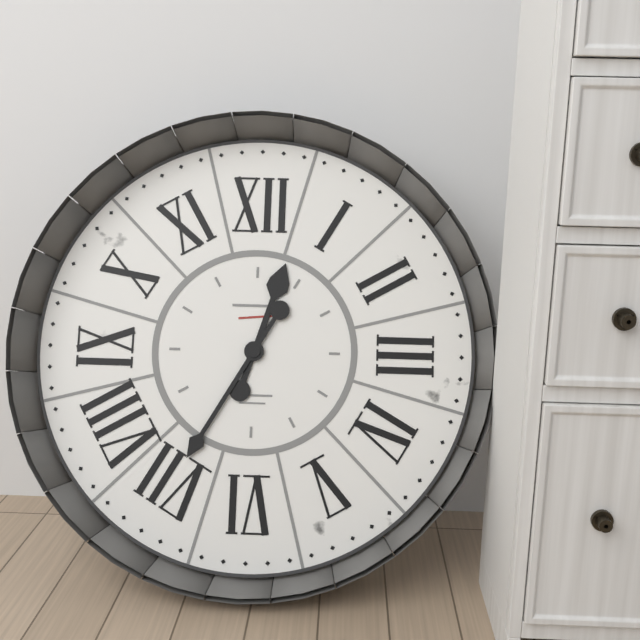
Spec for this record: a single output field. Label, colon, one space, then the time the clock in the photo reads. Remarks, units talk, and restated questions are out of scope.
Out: 12:35
